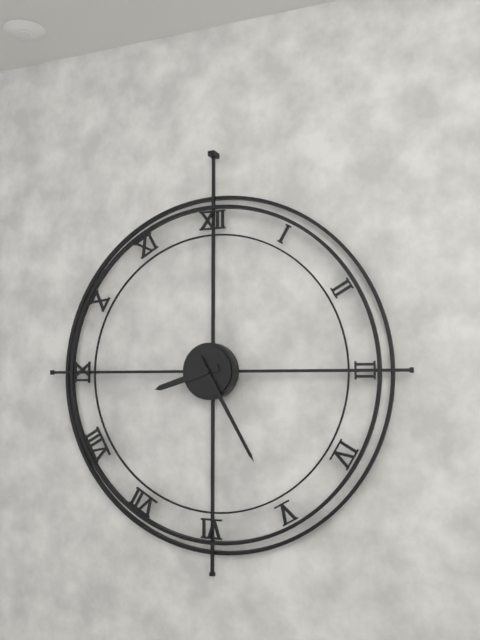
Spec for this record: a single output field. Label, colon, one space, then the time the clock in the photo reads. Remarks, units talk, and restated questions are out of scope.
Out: 8:25
